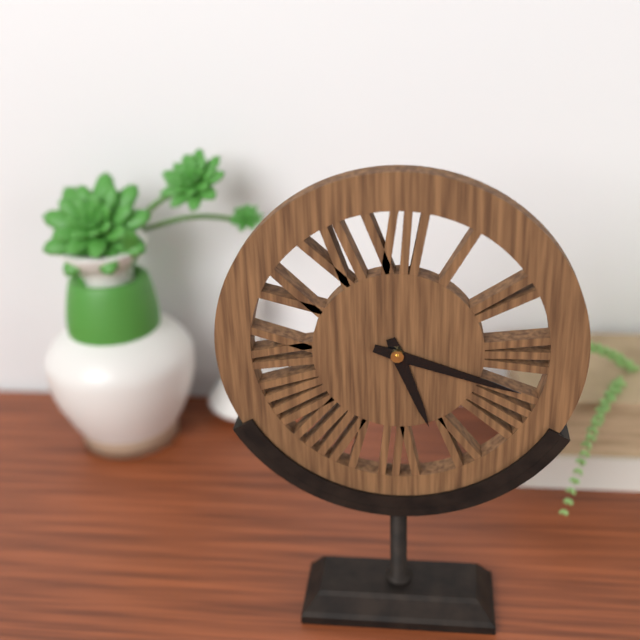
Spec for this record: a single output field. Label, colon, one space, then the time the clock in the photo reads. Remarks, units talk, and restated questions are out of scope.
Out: 5:18
